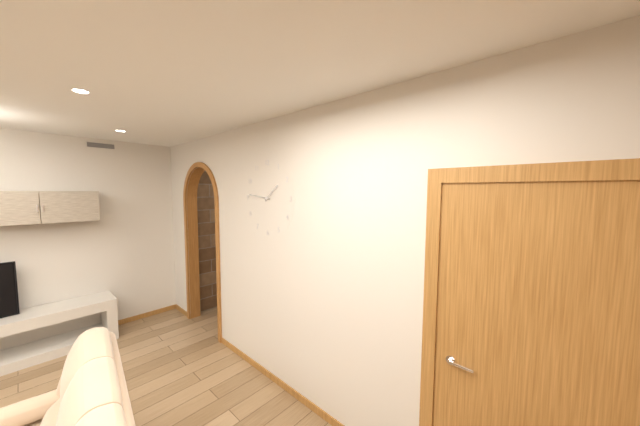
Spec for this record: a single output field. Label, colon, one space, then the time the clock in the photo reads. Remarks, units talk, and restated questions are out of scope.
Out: 1:46
